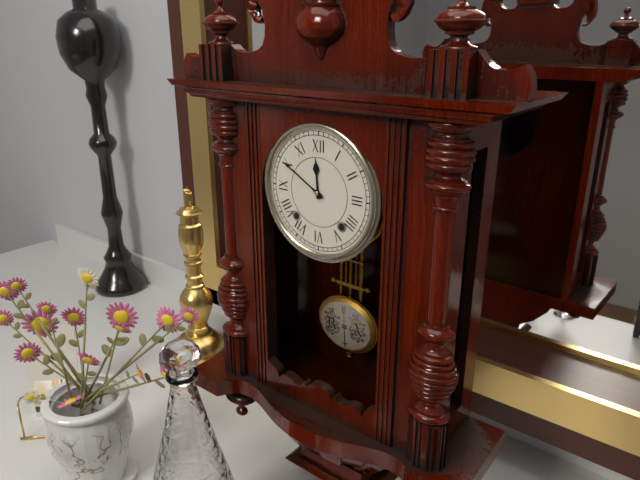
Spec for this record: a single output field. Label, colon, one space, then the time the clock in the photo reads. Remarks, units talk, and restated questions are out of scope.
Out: 11:50
